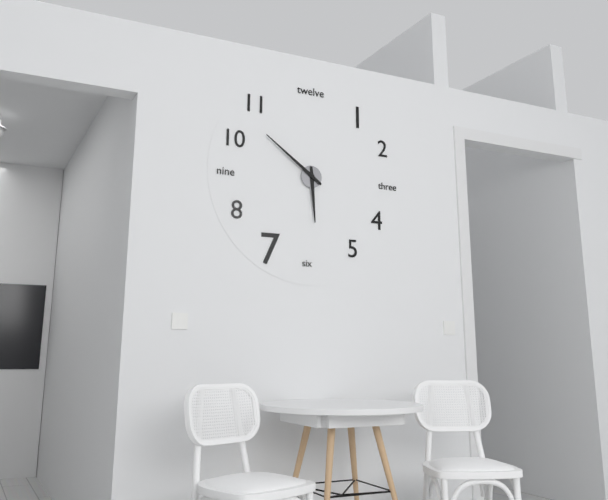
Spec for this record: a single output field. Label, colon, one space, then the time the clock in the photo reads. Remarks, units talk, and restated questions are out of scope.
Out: 5:51
